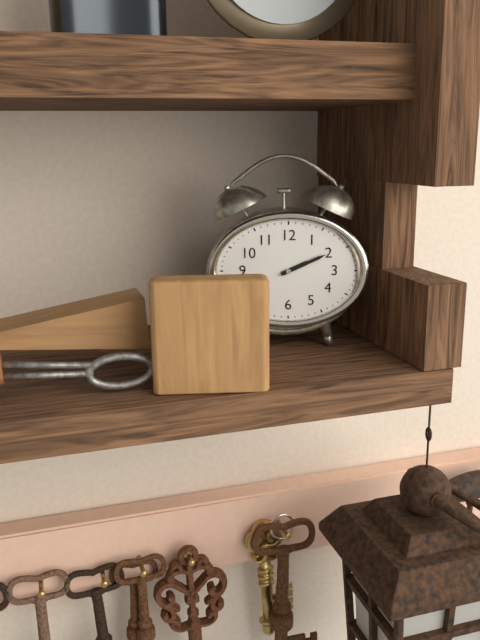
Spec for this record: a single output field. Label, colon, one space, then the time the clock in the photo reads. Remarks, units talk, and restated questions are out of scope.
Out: 2:11
